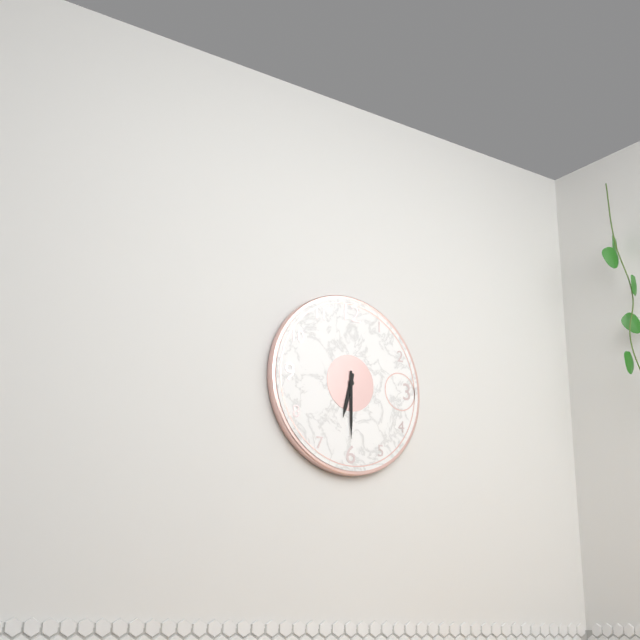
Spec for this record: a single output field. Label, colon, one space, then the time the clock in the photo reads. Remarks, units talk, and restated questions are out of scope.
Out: 6:30
